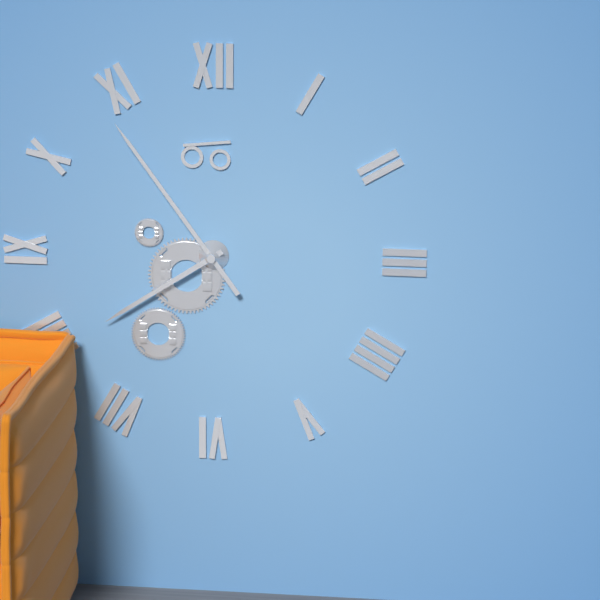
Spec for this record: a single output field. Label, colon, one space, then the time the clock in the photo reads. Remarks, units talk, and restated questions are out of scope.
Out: 7:54
